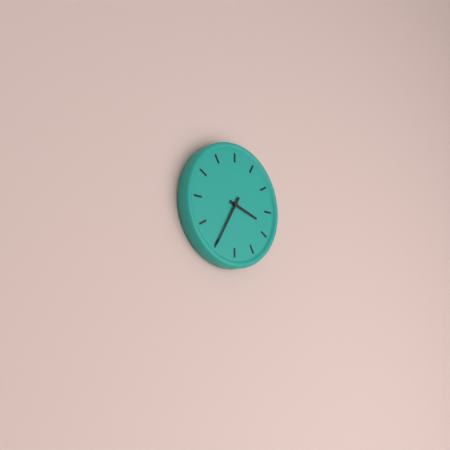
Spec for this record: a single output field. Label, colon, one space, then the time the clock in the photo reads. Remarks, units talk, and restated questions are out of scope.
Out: 3:35
